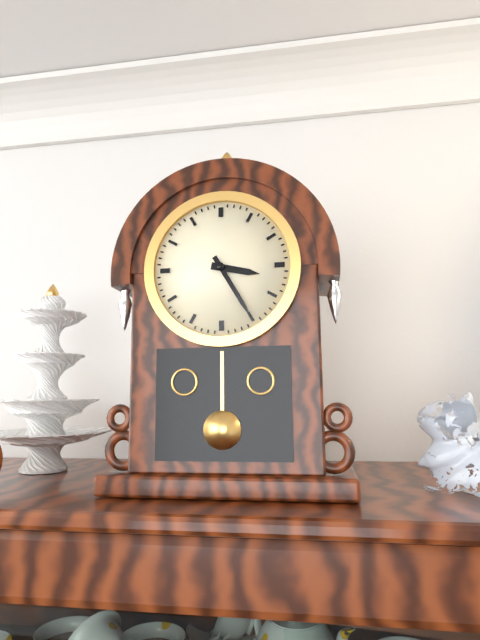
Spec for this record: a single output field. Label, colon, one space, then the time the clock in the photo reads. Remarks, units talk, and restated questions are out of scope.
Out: 3:25
